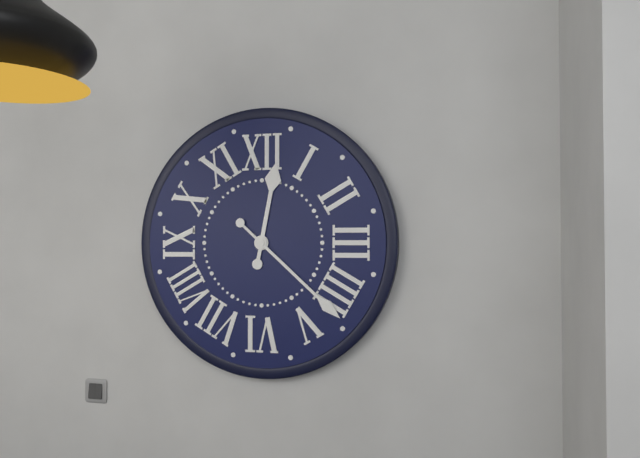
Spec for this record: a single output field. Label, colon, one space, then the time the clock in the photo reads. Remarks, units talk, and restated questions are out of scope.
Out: 12:22
